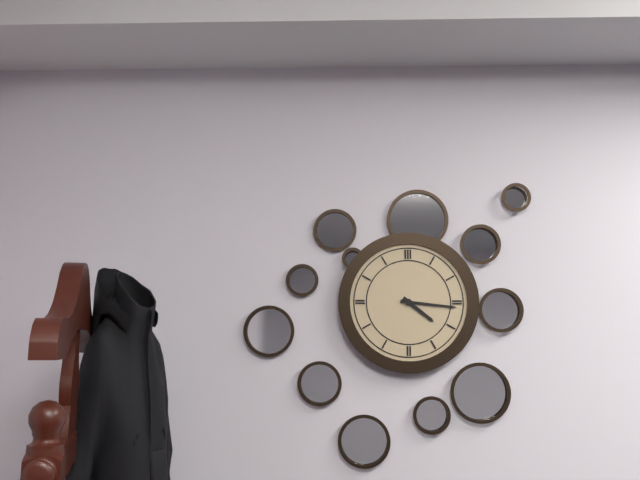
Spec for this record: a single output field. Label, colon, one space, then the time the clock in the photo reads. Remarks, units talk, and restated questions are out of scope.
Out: 4:16
